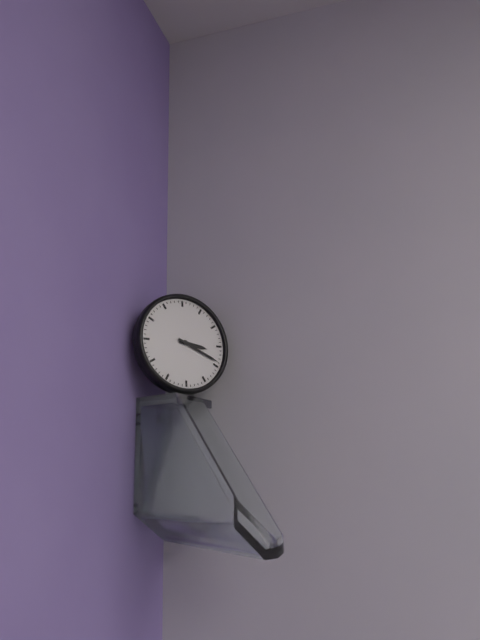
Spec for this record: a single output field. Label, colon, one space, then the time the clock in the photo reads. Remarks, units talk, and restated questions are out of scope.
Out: 3:19
